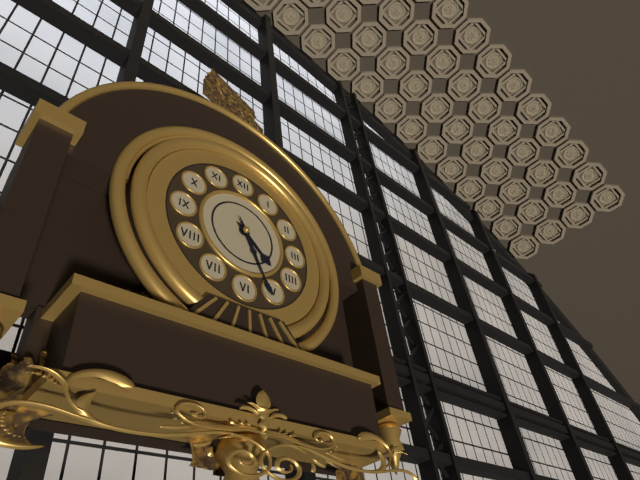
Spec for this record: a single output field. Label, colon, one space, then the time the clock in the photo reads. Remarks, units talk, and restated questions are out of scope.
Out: 4:26
